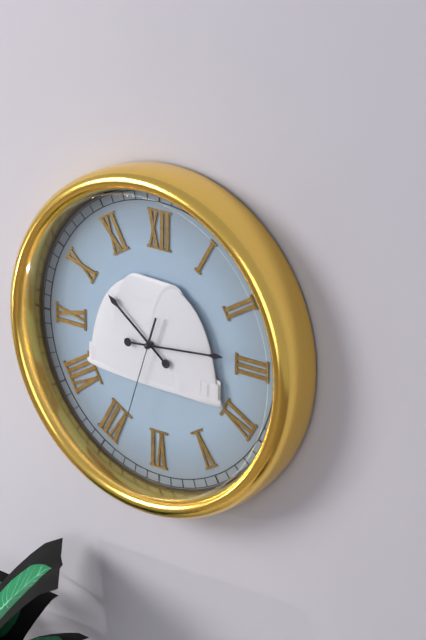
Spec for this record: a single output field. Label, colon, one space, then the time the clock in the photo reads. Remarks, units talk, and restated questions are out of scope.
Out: 10:14:33
